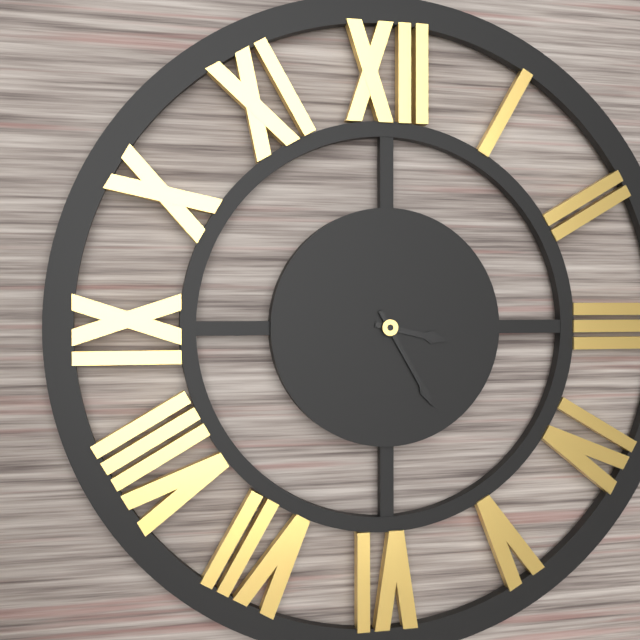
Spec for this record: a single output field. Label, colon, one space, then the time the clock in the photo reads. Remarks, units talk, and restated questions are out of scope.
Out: 3:25
